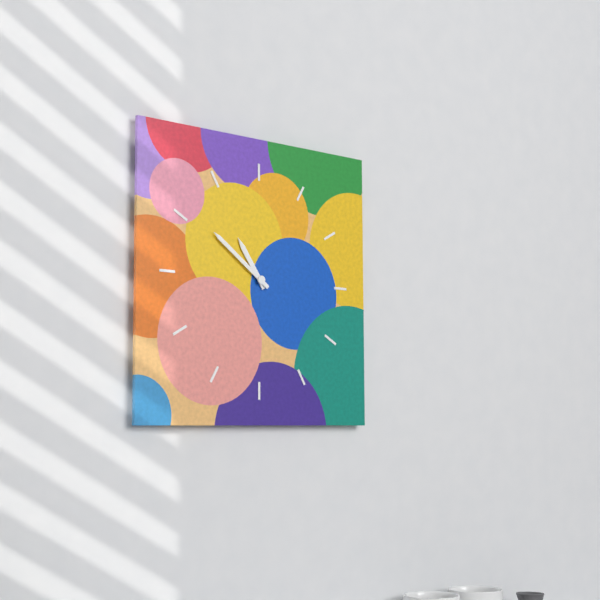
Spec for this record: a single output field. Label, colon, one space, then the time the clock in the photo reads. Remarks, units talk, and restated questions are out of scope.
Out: 10:51
